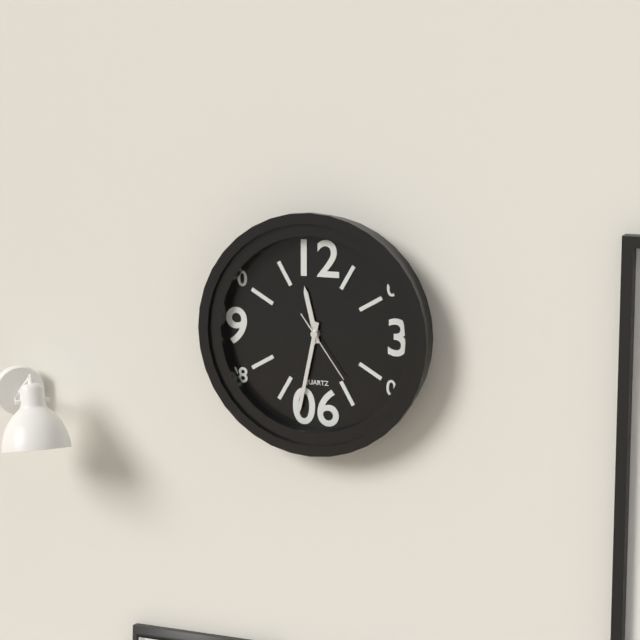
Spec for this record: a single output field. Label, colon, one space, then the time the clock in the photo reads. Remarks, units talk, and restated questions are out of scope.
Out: 11:32:24
